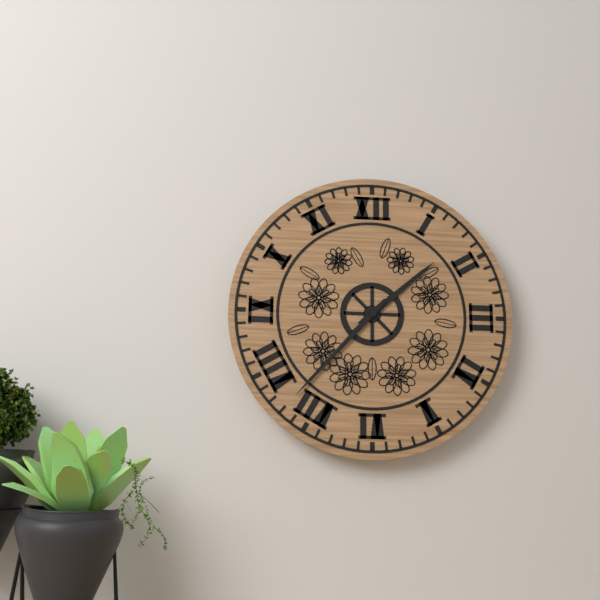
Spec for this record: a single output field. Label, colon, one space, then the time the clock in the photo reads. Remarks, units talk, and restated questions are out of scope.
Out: 1:37
